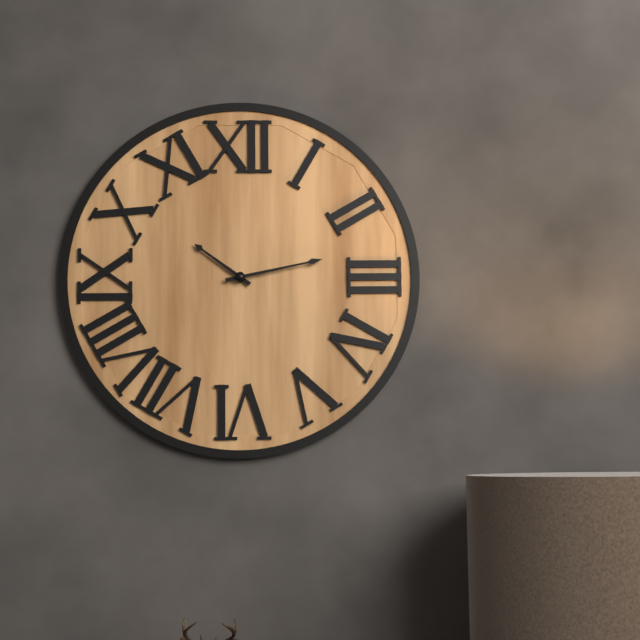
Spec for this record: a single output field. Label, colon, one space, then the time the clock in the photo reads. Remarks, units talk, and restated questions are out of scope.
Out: 10:13
